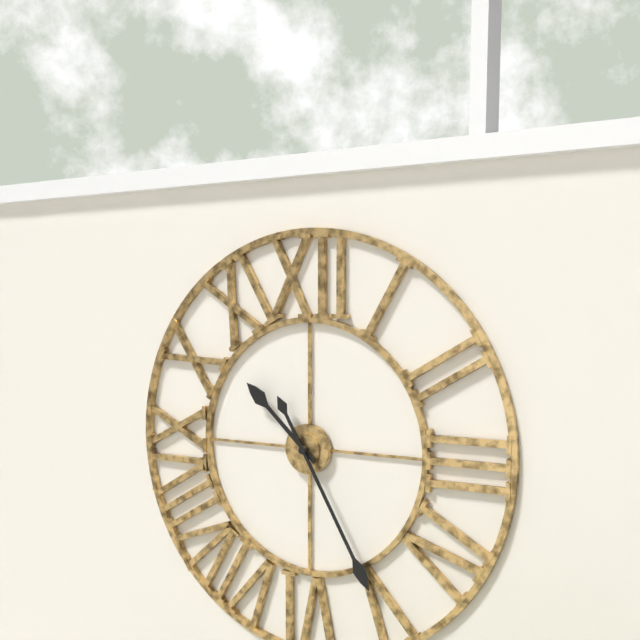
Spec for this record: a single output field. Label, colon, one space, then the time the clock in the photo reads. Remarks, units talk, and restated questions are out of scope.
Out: 10:25
